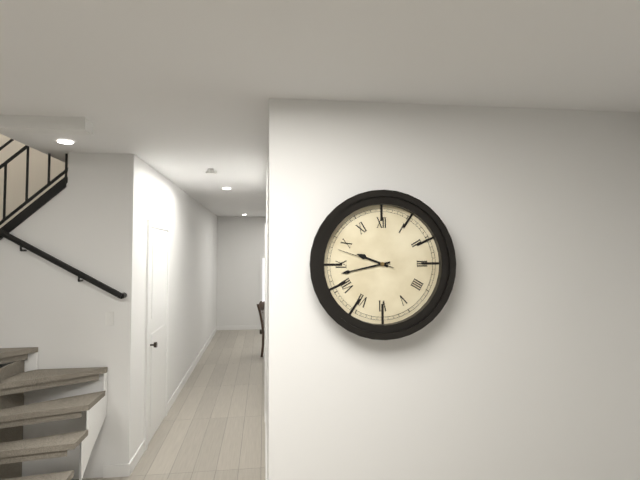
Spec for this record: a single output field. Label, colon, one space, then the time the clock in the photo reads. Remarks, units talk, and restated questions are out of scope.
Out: 9:43:48
